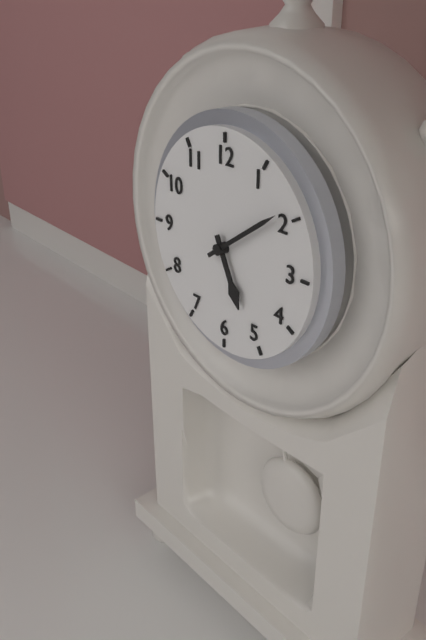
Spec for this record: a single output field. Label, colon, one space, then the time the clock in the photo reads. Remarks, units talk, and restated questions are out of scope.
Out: 5:09
